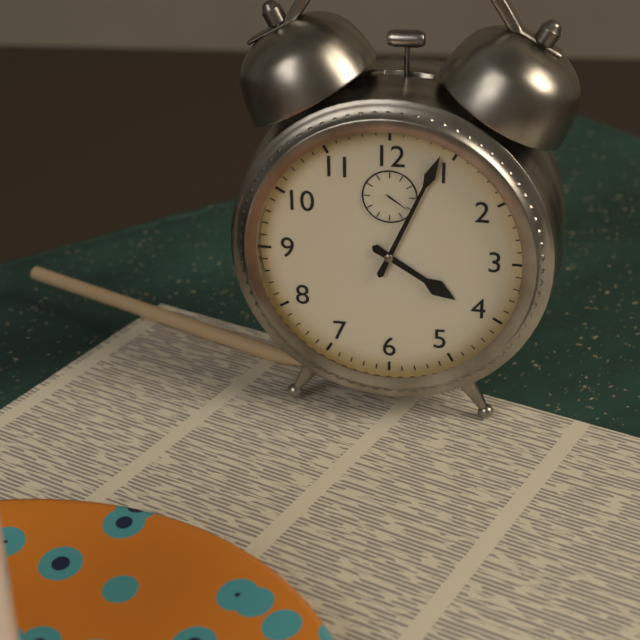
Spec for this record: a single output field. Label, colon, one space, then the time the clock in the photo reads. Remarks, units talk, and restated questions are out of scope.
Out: 4:04
